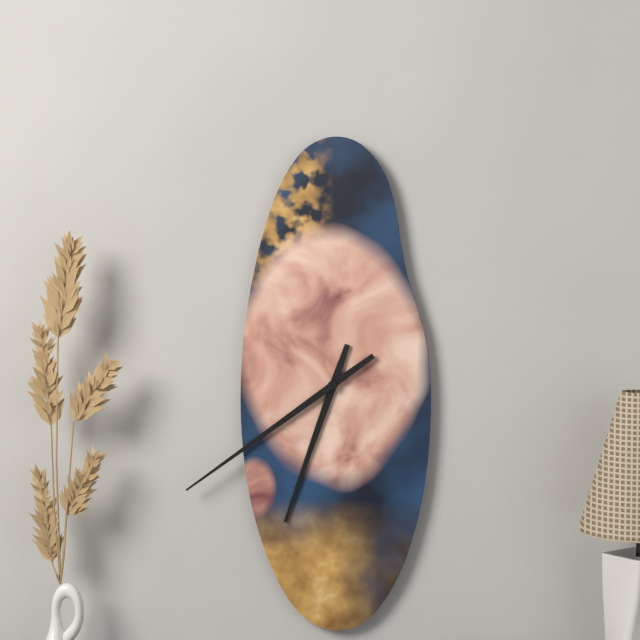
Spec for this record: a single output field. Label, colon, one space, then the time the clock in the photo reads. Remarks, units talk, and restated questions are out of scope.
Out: 6:39
